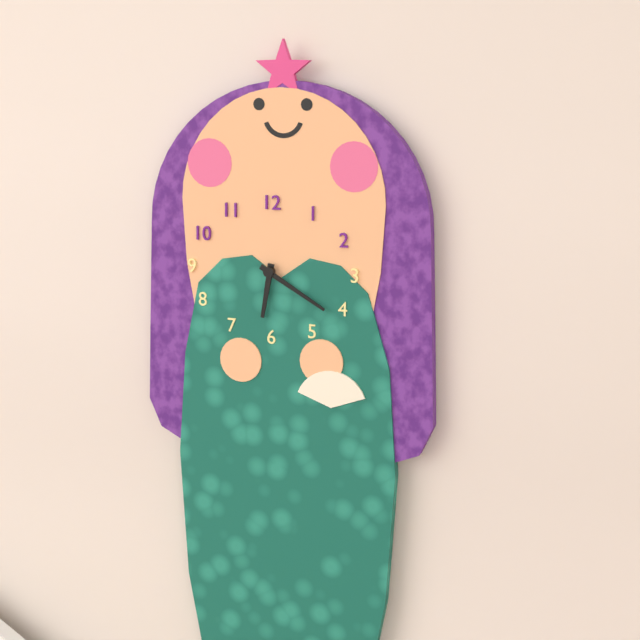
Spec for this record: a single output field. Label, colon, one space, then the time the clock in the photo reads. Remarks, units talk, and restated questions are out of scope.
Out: 6:20
